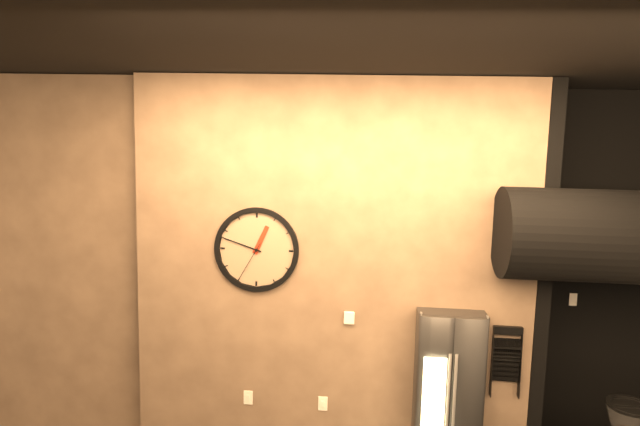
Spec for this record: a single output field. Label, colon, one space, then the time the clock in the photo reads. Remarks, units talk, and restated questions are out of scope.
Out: 12:48
